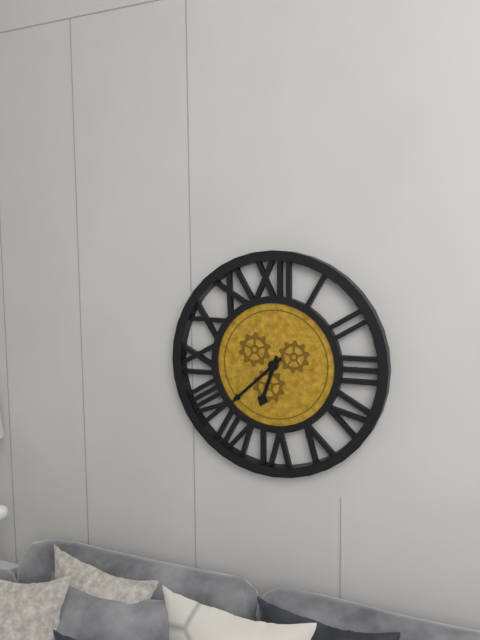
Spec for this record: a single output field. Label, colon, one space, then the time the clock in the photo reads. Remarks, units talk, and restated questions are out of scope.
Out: 6:38
